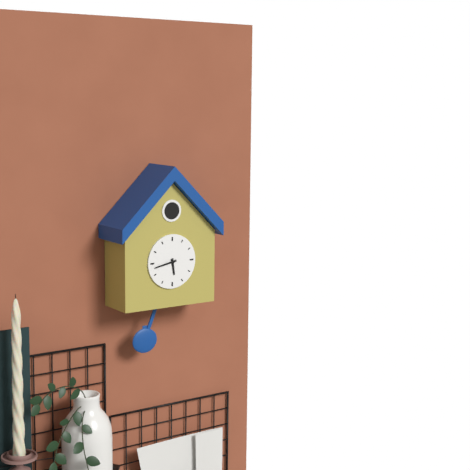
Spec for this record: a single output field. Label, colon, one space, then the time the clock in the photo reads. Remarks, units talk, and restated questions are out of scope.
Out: 5:43
